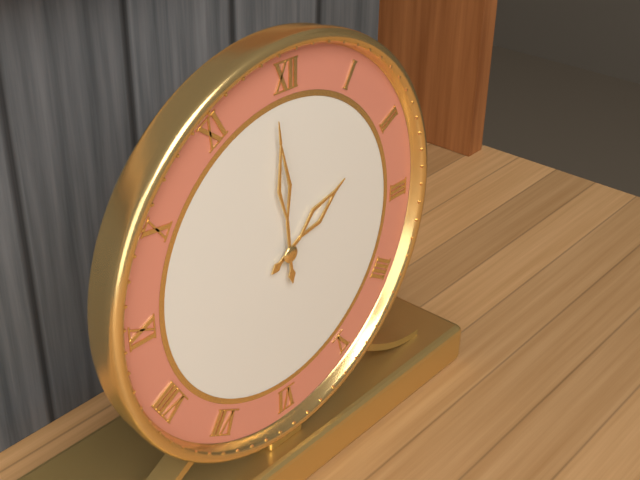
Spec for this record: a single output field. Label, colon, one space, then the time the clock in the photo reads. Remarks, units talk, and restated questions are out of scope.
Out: 1:59
